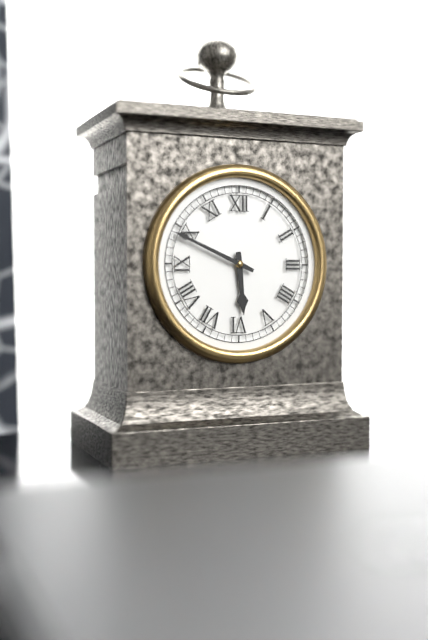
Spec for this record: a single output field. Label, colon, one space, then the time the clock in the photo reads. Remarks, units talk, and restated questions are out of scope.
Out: 5:49
